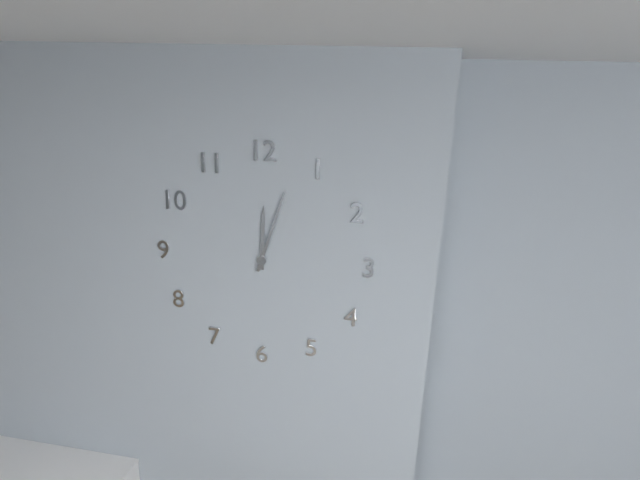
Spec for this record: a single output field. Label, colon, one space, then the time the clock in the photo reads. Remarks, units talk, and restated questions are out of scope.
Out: 12:03
